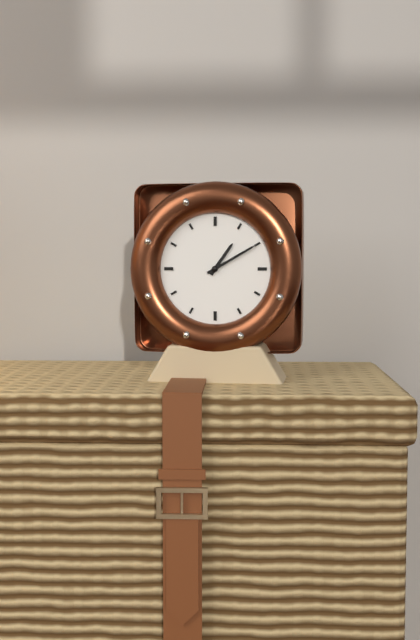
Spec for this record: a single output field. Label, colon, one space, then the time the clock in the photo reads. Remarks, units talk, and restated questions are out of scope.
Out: 1:10
